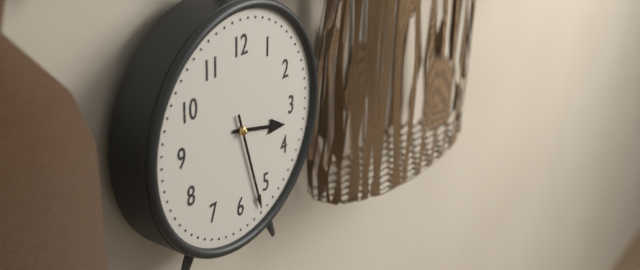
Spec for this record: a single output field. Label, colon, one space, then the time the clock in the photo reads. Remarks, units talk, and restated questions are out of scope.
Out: 3:27
